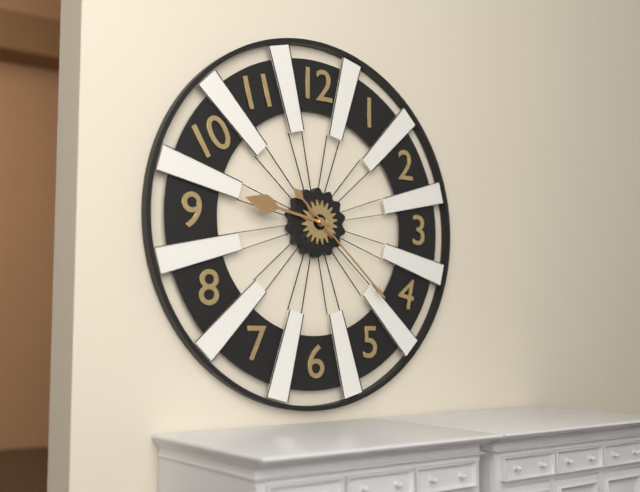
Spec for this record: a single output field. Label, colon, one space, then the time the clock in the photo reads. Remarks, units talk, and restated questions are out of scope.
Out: 9:22
